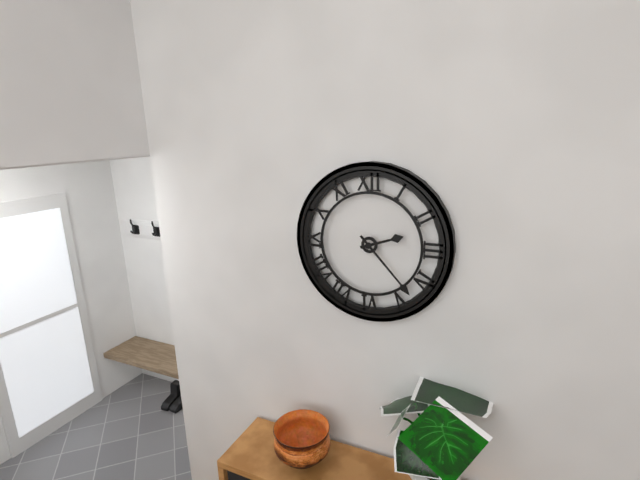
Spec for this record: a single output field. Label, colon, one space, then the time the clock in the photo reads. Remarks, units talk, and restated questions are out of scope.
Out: 2:23
